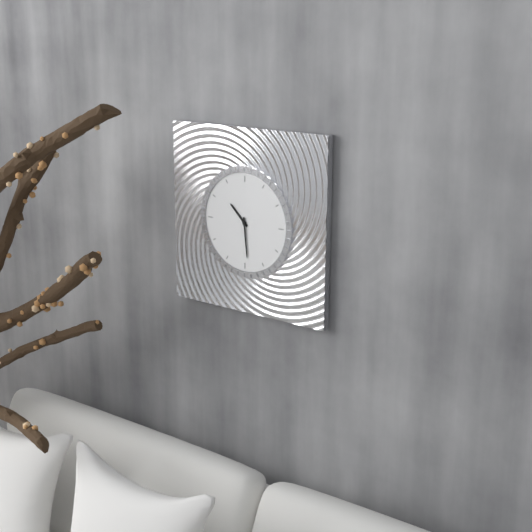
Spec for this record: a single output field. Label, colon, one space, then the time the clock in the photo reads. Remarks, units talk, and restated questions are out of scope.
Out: 10:29
